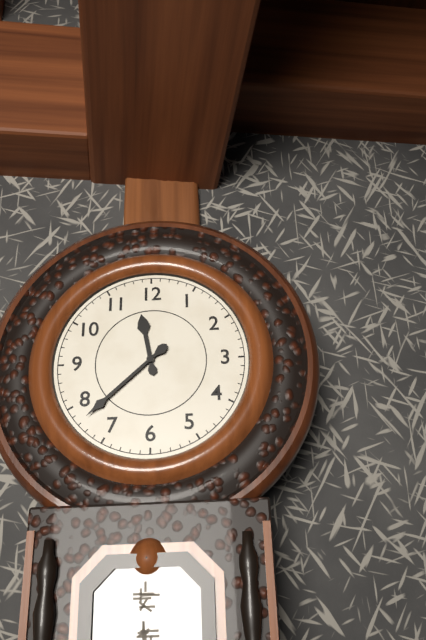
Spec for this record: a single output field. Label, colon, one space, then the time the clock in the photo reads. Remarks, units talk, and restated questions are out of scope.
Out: 11:38
